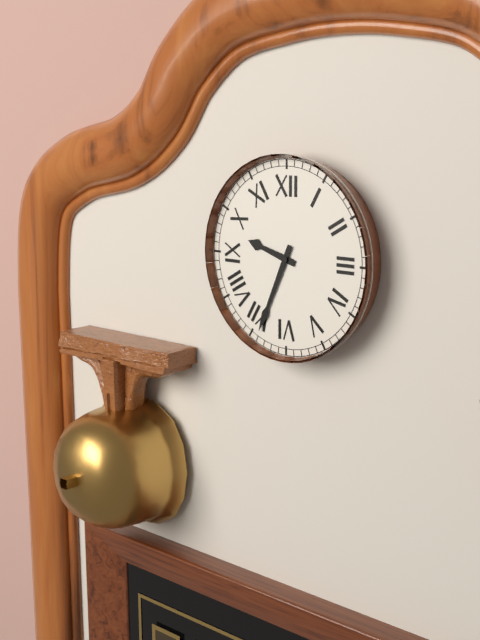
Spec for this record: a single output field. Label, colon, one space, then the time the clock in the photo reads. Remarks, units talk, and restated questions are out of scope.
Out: 9:34
